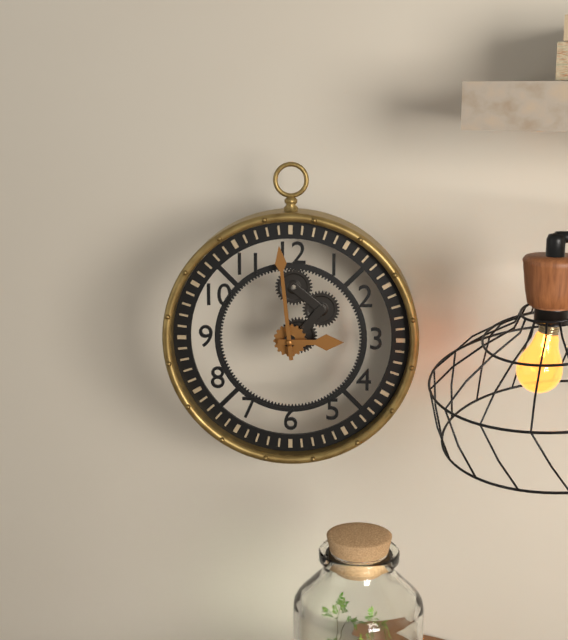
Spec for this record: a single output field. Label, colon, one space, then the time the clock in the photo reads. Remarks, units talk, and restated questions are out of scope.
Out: 2:59
